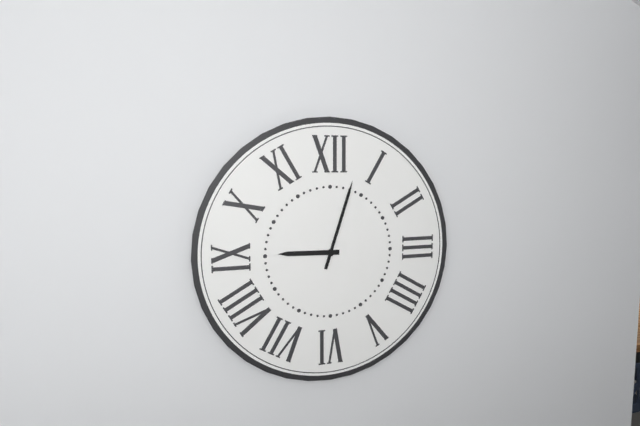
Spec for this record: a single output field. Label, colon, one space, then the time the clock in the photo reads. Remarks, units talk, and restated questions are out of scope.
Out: 9:03
